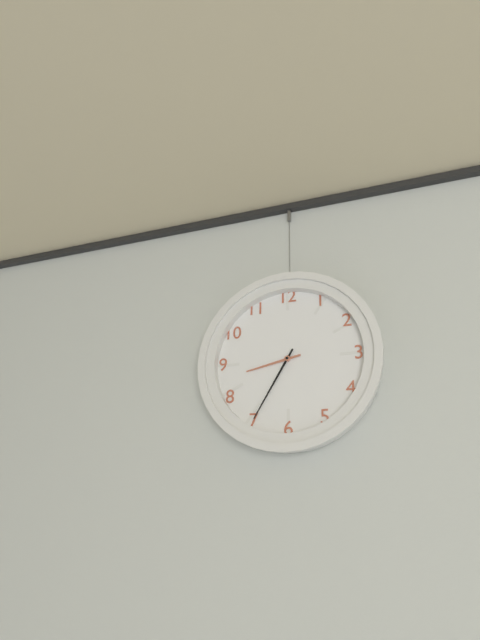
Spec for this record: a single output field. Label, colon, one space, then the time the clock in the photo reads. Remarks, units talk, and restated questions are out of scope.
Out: 8:35
